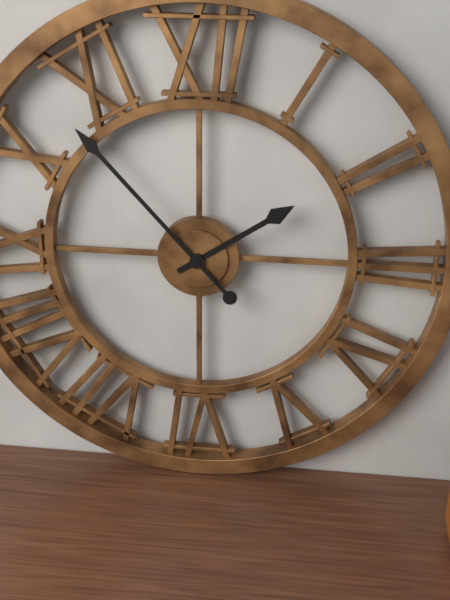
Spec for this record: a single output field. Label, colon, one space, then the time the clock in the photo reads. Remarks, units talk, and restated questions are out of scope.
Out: 1:53
